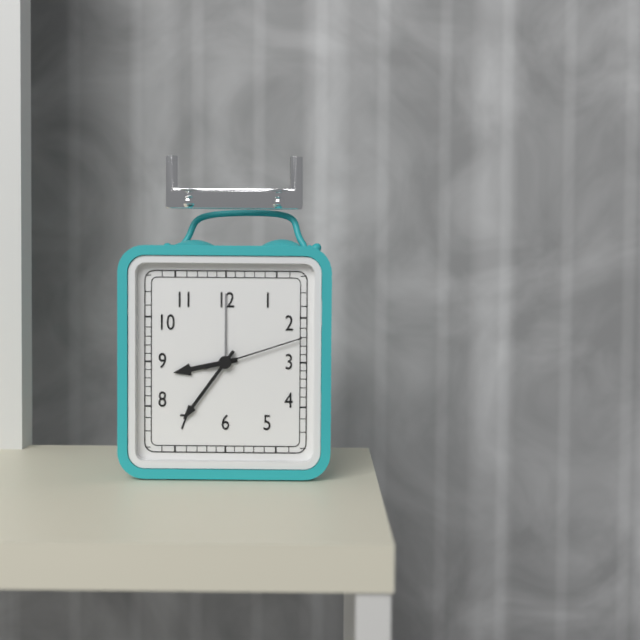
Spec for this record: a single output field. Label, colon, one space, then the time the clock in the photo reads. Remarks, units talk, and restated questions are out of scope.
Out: 8:36:12
